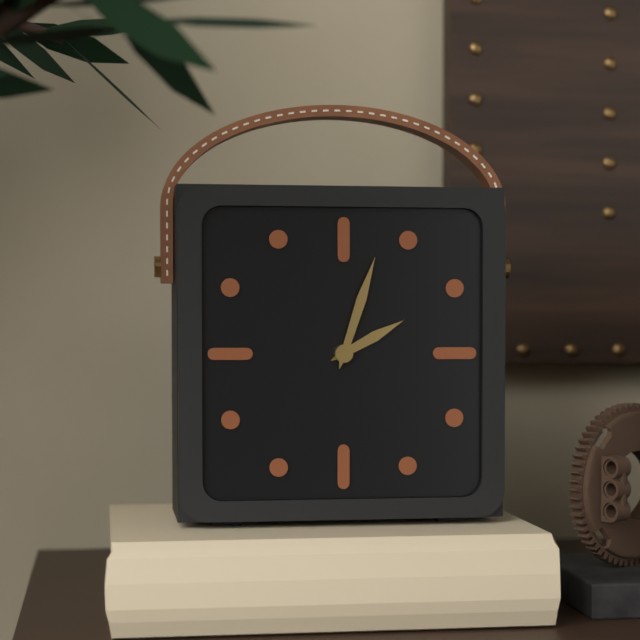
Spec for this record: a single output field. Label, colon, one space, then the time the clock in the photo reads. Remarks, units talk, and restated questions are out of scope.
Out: 2:03
